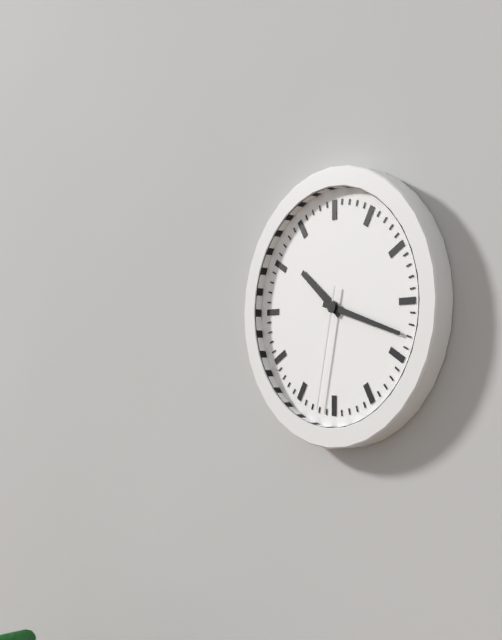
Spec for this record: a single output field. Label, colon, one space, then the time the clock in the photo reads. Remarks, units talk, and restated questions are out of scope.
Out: 10:18:32
